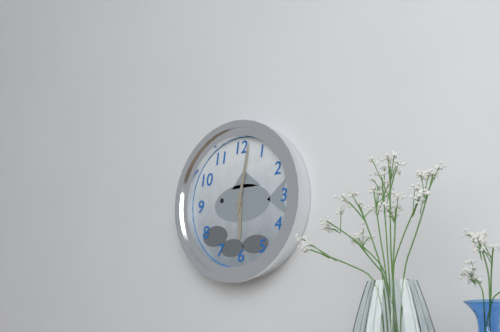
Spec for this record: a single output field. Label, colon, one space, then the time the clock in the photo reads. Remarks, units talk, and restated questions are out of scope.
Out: 6:02
